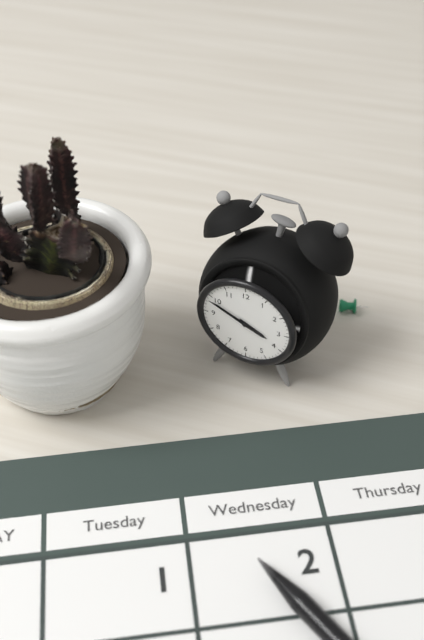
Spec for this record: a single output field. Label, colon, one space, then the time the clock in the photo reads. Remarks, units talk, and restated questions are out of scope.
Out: 3:49:49
